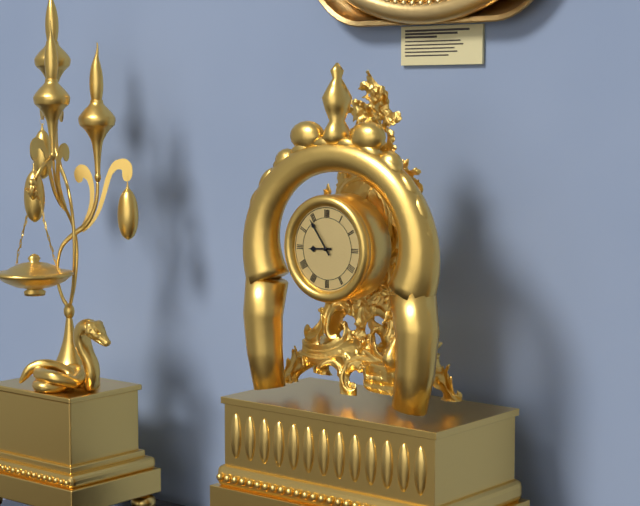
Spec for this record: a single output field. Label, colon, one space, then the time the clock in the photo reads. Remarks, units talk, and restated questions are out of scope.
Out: 8:54
